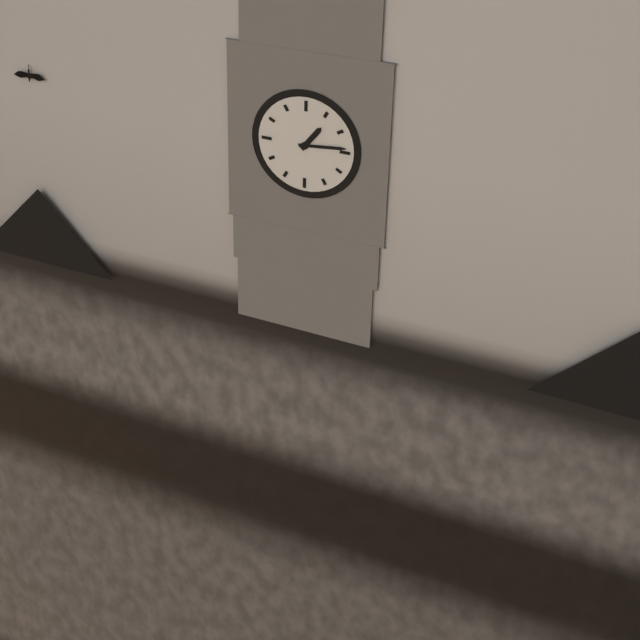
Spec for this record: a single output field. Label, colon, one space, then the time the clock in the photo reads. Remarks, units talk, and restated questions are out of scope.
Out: 1:14
